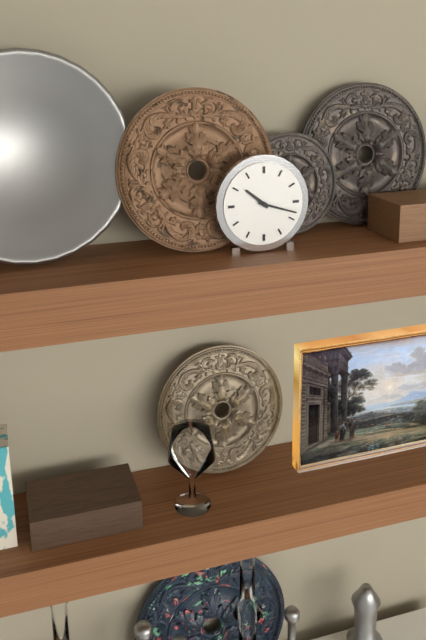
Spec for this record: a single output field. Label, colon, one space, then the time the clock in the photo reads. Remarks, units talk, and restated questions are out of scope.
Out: 10:18
